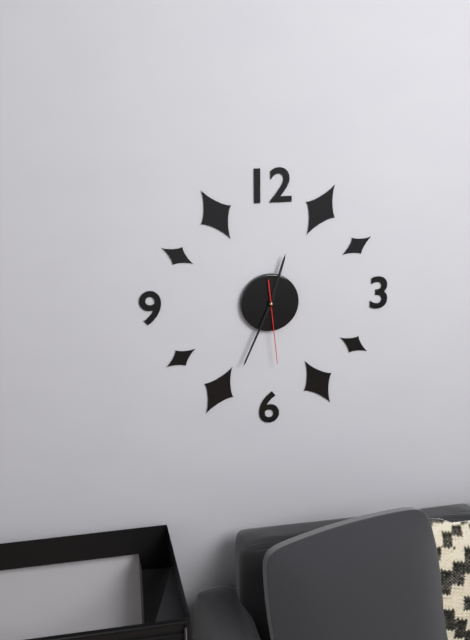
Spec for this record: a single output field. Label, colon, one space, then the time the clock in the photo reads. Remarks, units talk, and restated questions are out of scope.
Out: 12:34:29
